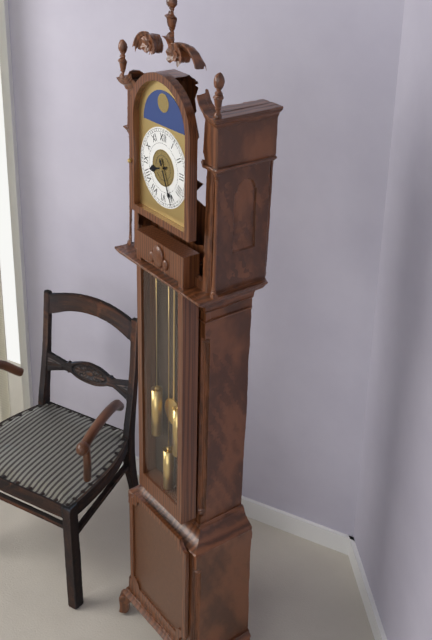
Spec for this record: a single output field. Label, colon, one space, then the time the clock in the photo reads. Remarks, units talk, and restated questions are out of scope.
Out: 8:26
